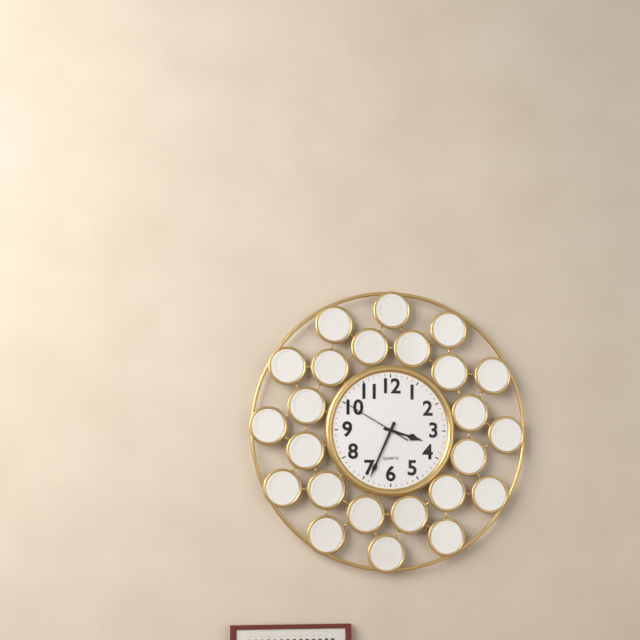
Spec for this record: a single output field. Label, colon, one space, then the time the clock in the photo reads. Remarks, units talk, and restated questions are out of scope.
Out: 3:34:50
